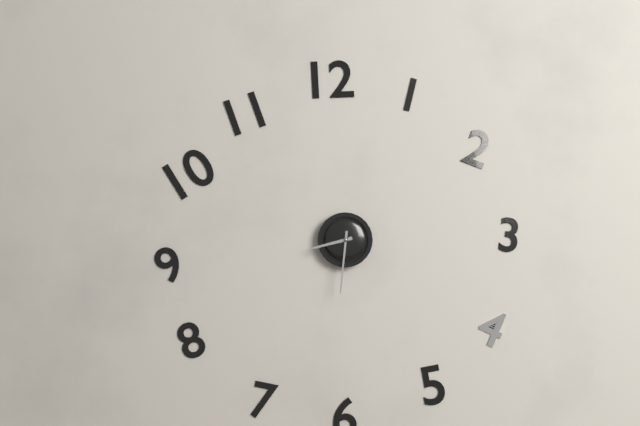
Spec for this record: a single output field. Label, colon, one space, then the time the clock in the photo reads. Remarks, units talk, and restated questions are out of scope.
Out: 8:31
